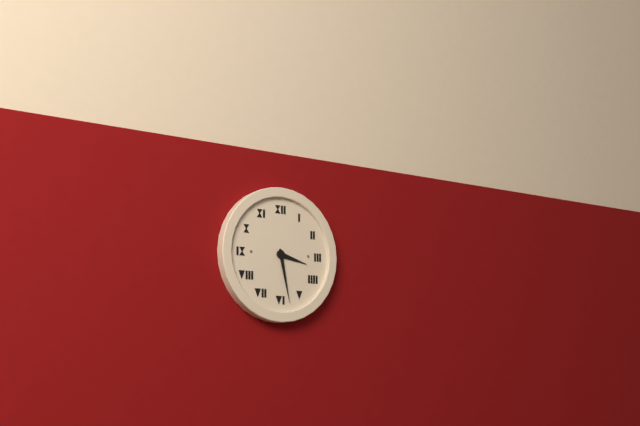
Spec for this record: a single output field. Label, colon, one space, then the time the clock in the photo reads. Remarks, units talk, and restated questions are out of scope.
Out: 3:28
